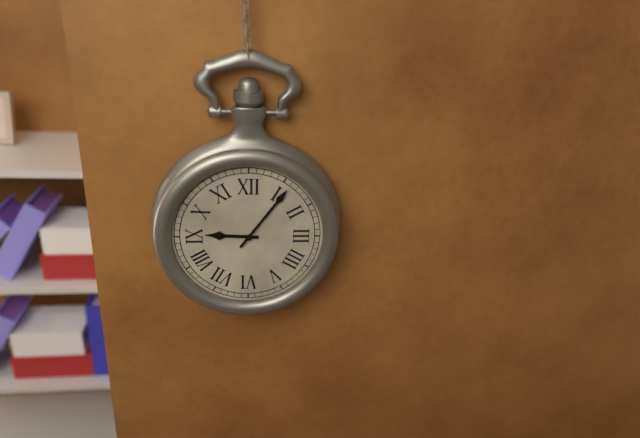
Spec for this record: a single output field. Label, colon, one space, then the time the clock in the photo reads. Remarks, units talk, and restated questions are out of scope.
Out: 9:06
